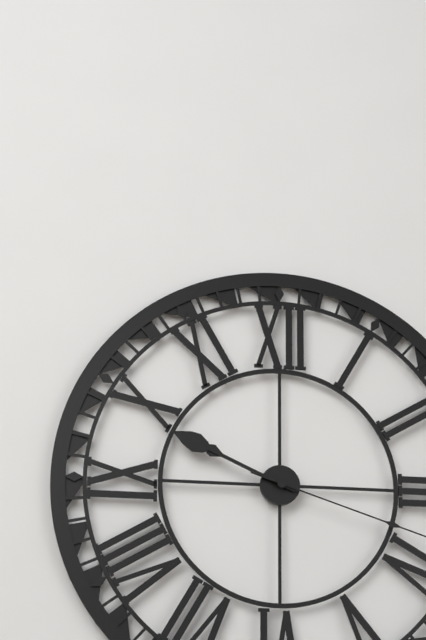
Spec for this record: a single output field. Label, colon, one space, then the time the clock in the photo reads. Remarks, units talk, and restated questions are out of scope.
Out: 9:49
